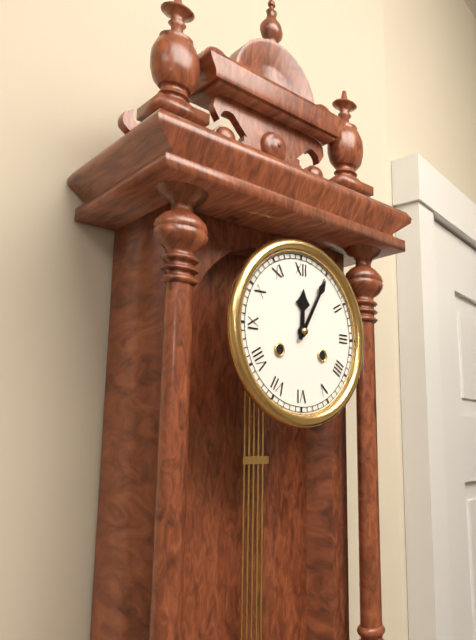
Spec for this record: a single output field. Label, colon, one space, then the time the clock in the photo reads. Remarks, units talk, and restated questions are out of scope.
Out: 12:05
